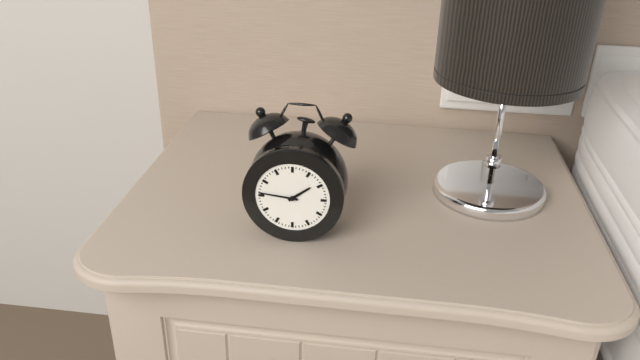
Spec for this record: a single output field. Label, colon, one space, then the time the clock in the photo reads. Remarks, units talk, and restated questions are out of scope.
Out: 1:46
